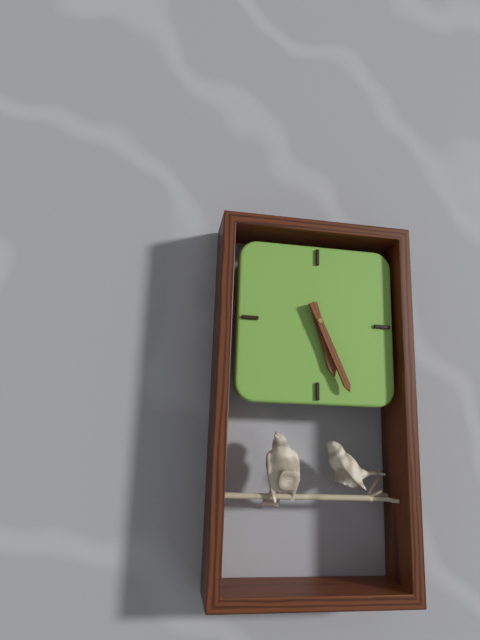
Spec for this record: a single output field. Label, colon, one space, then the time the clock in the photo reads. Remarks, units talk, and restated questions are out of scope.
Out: 5:26
